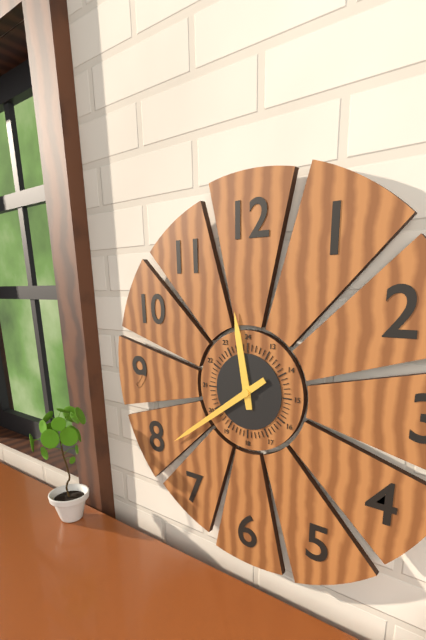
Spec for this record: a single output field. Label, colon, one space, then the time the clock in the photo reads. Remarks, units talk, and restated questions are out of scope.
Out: 11:39
